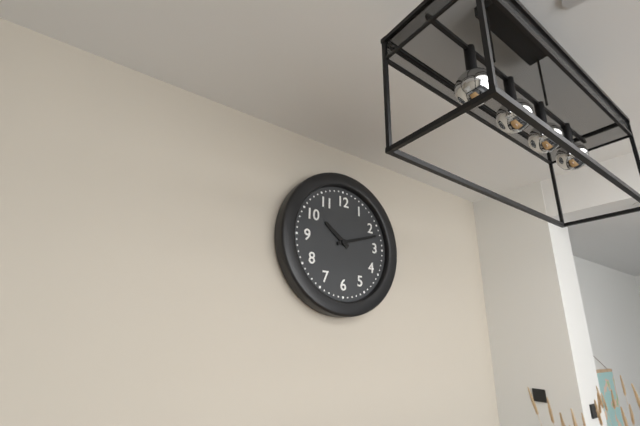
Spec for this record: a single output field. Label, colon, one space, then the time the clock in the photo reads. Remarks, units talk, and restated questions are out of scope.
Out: 10:12
